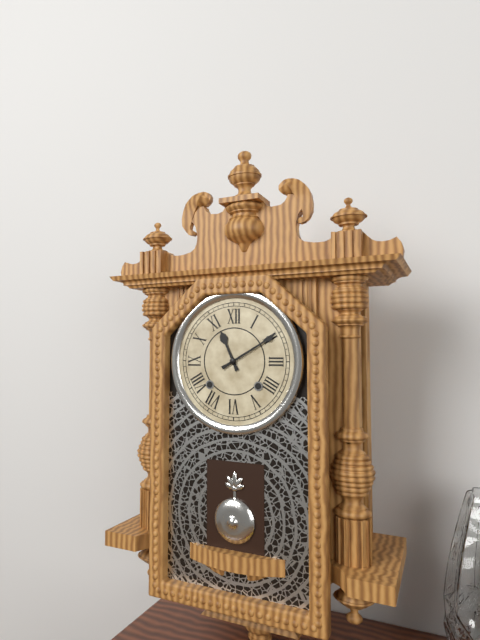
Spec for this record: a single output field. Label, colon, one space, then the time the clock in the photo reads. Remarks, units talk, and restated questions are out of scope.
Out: 11:10
